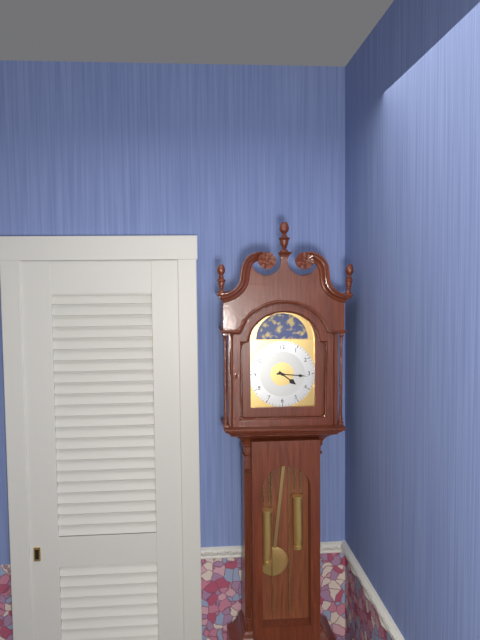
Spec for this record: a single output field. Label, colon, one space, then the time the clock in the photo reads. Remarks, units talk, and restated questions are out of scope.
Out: 4:16
